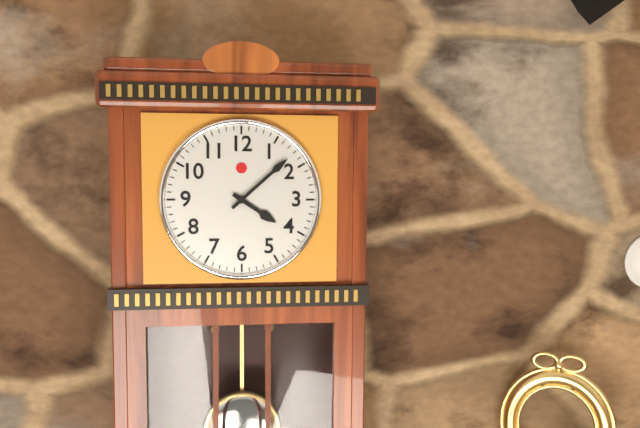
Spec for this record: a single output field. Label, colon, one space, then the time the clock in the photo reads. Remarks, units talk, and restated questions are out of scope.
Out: 4:08
